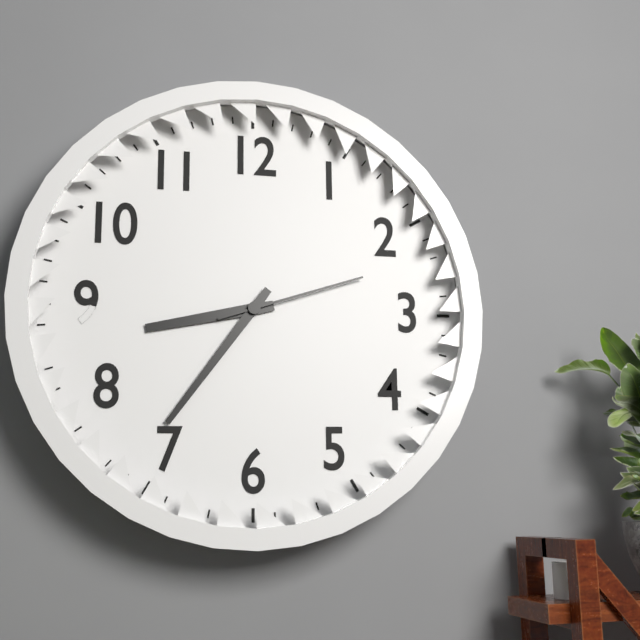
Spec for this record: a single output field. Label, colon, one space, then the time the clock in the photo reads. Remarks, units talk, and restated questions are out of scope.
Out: 8:36:12
